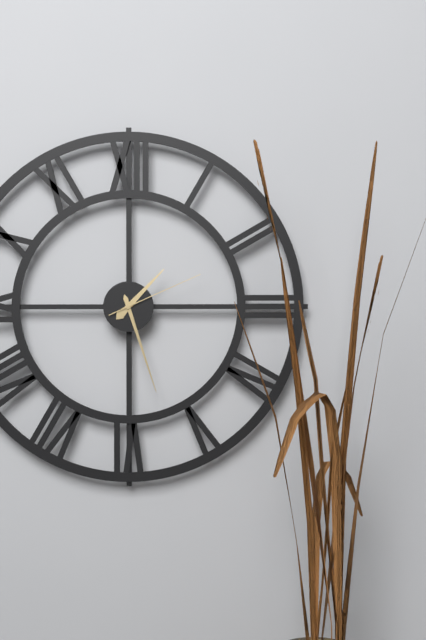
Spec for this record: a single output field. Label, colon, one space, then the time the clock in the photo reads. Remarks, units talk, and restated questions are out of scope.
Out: 1:27:11
